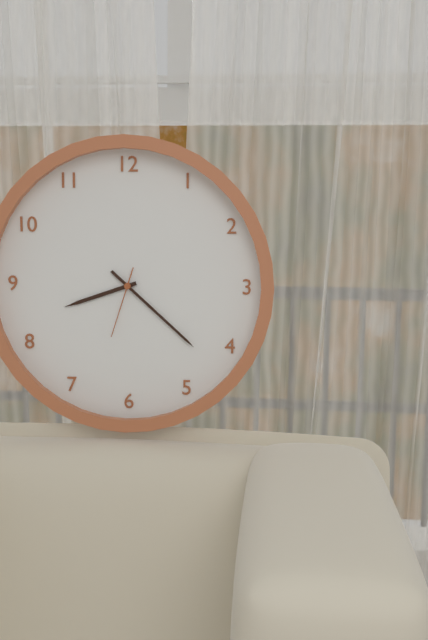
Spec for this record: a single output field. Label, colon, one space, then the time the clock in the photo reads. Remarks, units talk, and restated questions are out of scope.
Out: 8:22:33
